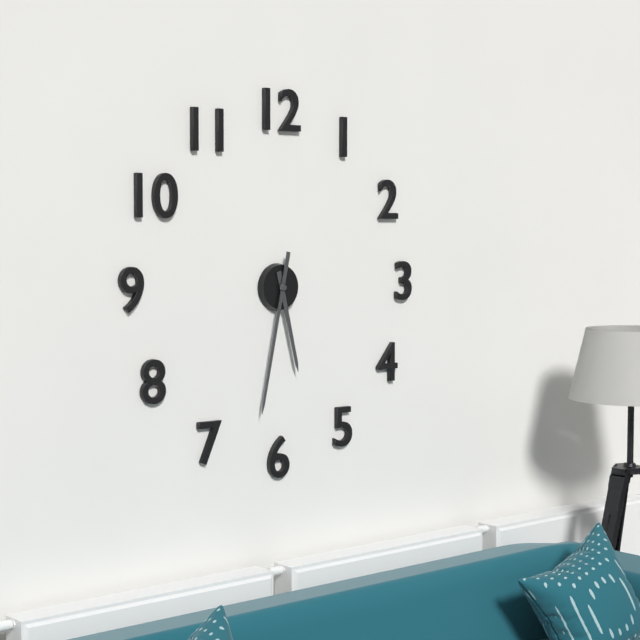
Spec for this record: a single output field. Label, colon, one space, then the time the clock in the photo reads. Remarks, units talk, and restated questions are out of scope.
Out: 5:32
